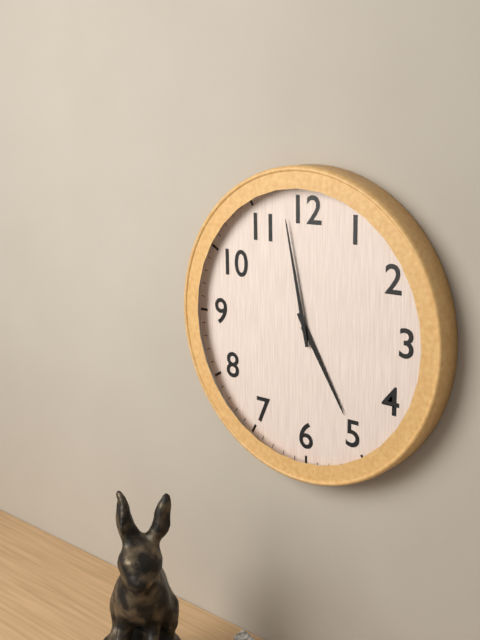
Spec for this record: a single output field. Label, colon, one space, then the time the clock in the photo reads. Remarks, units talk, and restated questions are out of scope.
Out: 4:58
